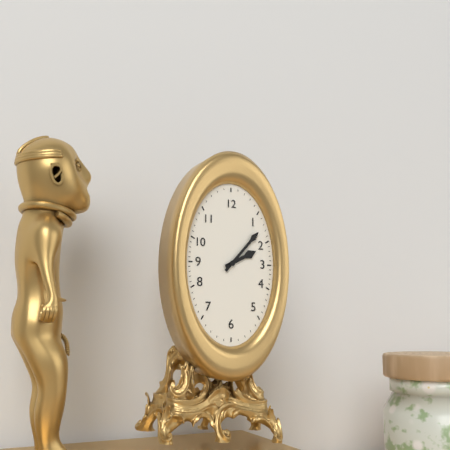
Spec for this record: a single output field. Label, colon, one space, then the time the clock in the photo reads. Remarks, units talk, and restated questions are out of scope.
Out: 2:07
